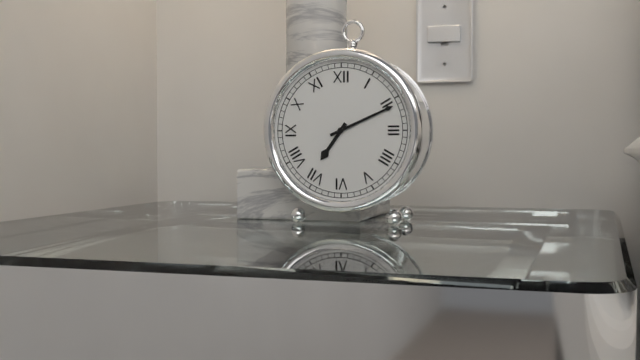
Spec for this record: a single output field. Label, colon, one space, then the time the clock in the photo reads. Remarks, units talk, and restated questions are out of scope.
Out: 7:11
